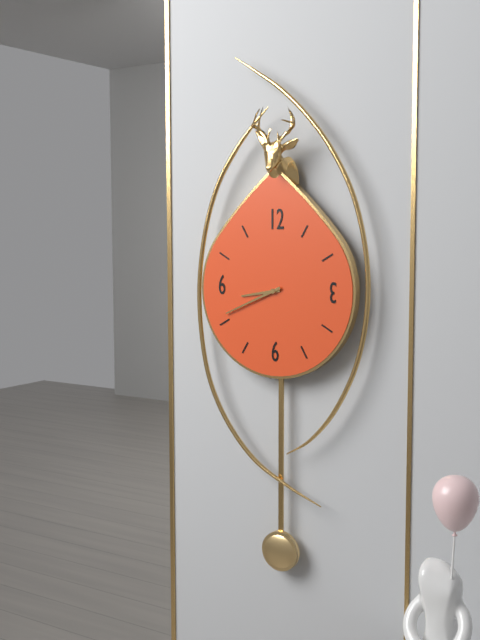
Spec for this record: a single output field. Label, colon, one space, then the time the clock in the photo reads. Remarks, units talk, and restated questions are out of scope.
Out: 8:41
